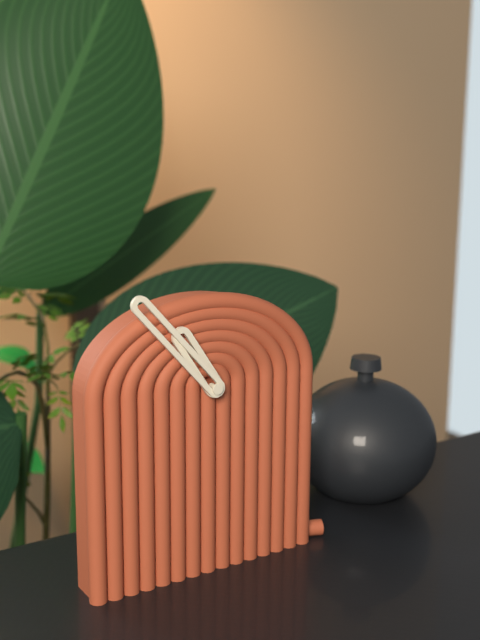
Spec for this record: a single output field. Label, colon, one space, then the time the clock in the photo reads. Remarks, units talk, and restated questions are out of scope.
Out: 10:53
